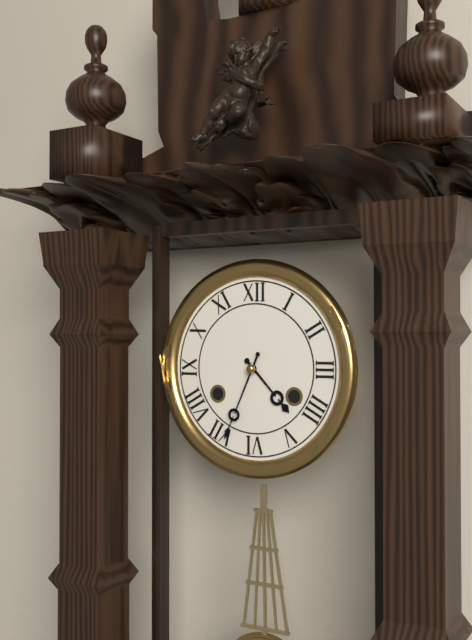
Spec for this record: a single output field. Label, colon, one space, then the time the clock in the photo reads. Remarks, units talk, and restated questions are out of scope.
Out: 4:34
